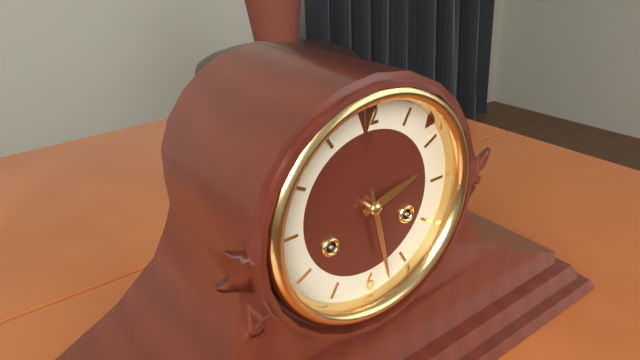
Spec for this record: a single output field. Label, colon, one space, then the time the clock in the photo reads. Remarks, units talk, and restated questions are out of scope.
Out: 2:28
